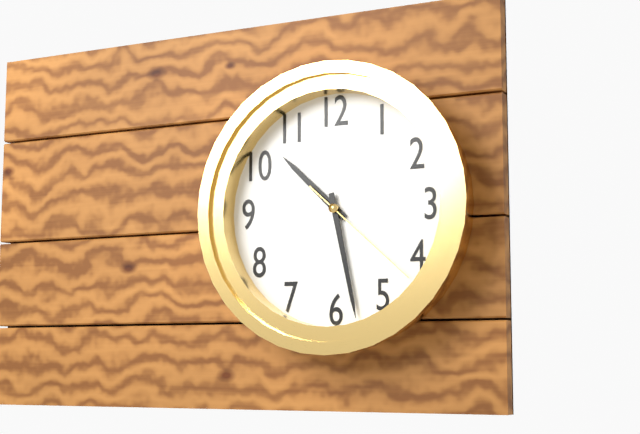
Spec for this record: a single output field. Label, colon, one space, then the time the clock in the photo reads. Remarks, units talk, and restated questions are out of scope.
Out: 10:28:22
